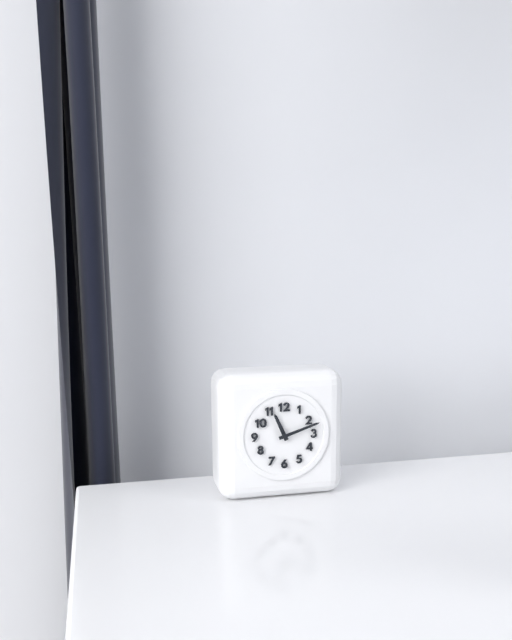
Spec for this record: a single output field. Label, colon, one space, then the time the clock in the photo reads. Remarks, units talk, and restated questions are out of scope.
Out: 11:12
